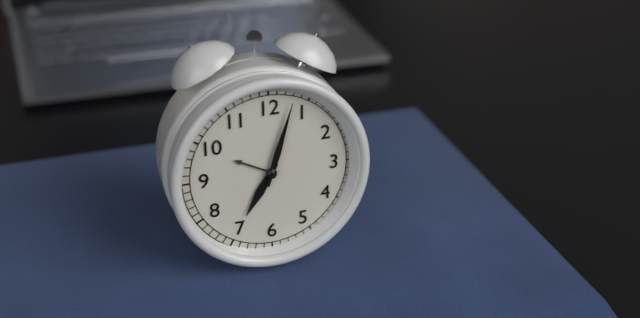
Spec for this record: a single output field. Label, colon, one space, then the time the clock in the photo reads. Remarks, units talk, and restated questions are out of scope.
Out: 7:03
